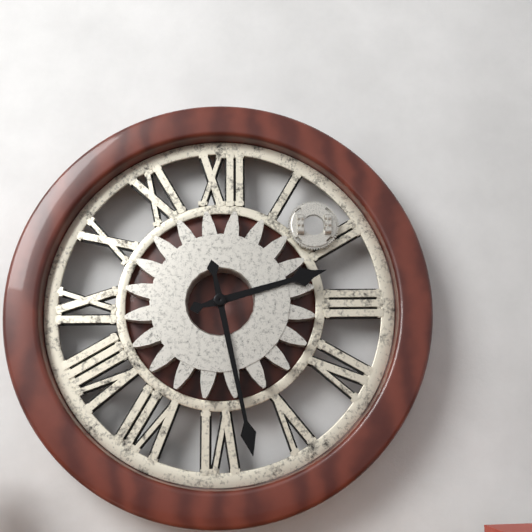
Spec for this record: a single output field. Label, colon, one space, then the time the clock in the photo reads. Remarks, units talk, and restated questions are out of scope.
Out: 2:28
